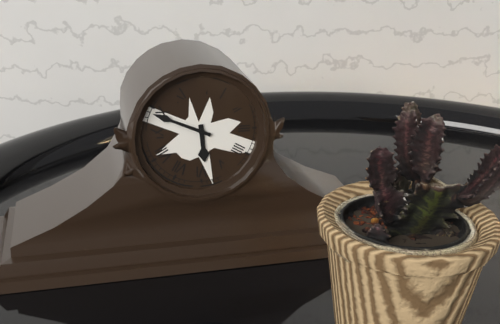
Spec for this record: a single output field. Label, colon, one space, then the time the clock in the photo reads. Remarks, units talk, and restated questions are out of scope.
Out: 5:49
